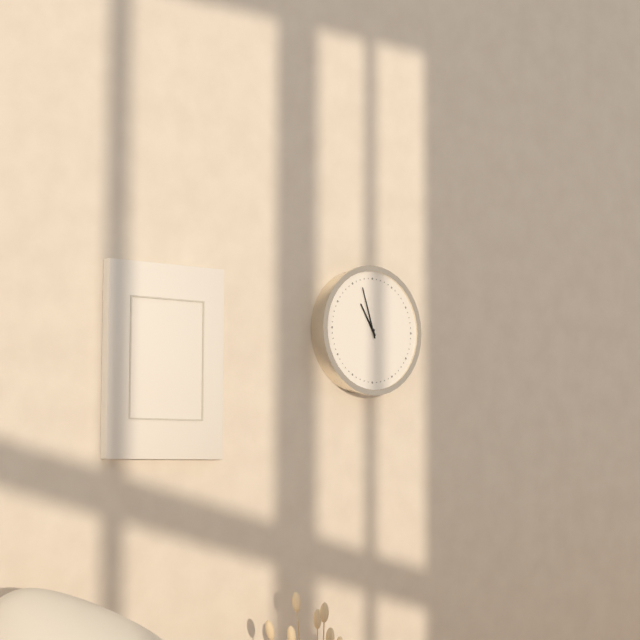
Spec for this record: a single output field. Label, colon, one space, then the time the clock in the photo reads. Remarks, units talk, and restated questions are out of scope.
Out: 10:57
